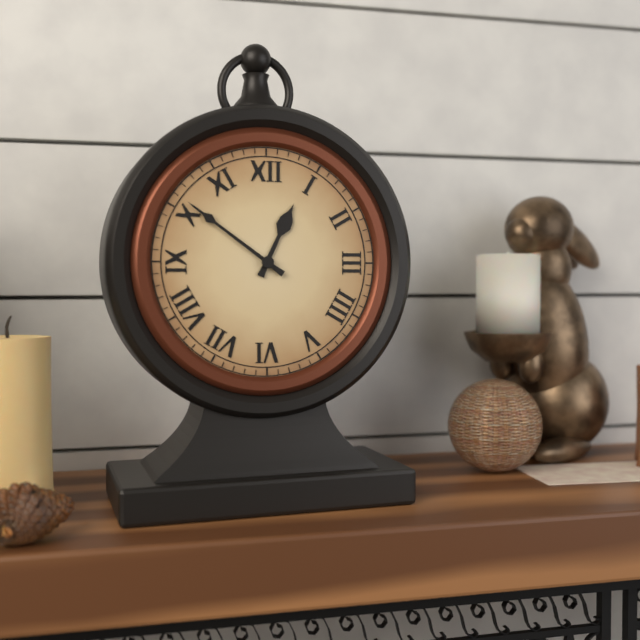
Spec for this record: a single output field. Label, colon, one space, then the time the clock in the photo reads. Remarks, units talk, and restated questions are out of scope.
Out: 12:51
